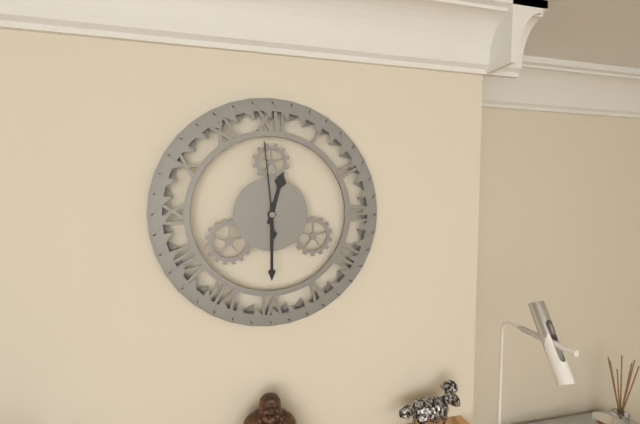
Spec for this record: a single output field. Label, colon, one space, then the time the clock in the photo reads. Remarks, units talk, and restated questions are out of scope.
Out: 12:30:59
